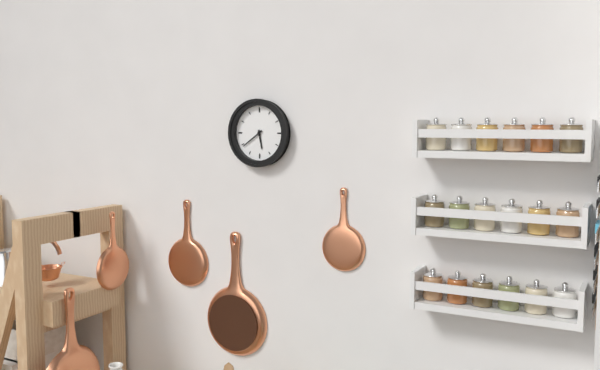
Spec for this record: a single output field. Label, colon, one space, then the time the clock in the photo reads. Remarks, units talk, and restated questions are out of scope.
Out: 5:39
